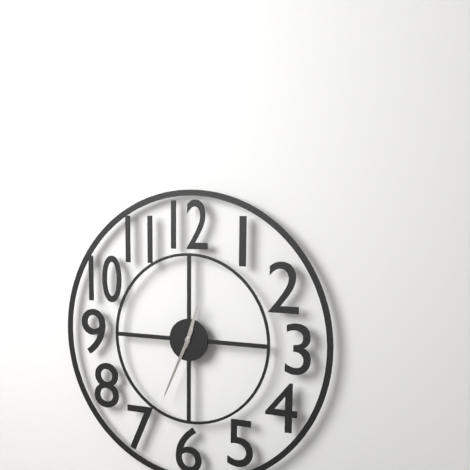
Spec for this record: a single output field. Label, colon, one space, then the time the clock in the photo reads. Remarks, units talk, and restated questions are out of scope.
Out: 12:34
